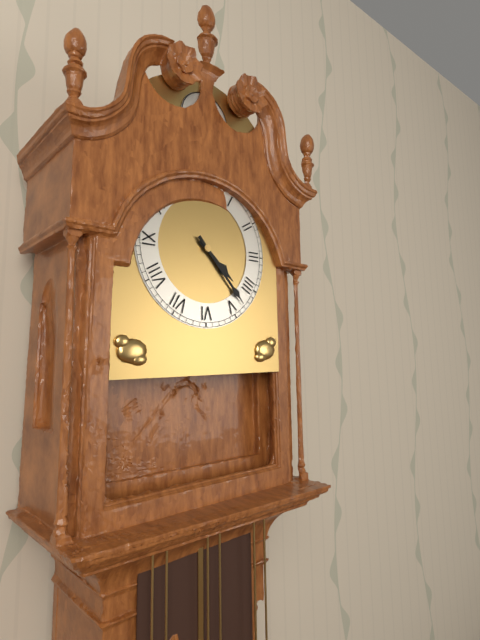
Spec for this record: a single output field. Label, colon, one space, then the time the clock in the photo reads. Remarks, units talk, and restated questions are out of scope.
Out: 4:23
